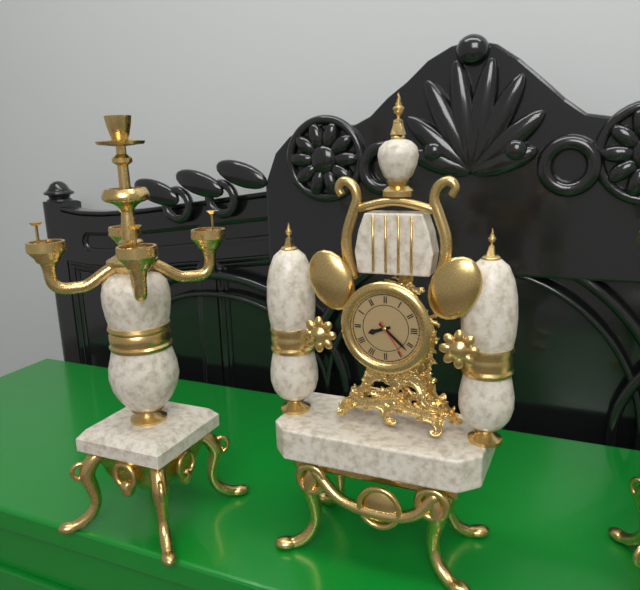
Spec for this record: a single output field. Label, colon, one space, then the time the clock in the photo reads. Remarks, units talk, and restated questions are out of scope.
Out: 8:22
